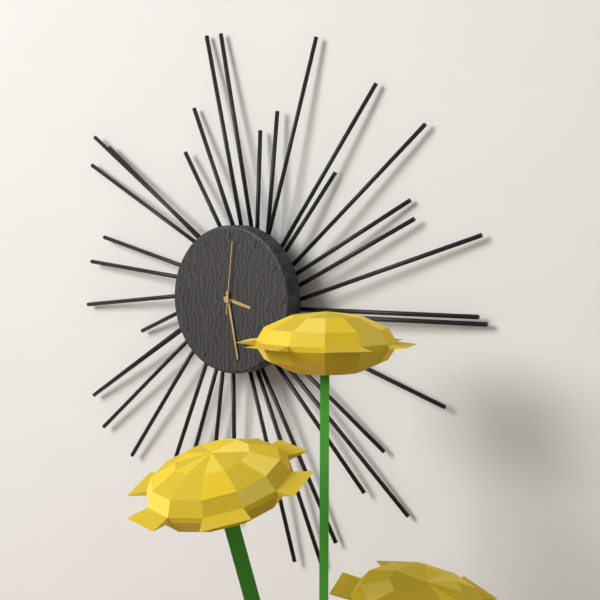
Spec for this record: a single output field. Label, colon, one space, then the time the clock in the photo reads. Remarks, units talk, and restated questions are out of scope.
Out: 3:28:01
